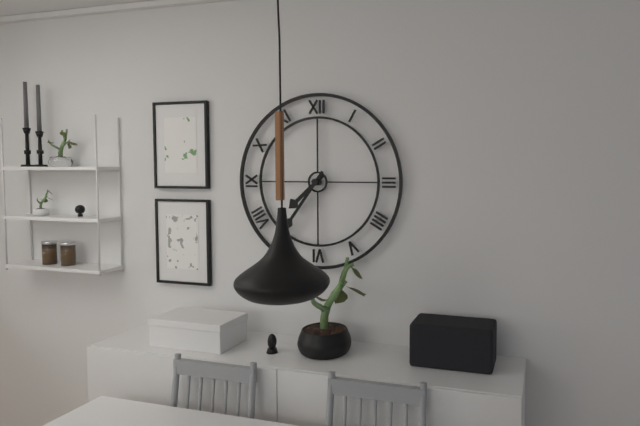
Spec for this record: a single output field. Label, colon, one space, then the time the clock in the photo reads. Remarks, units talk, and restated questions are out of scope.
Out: 7:36
